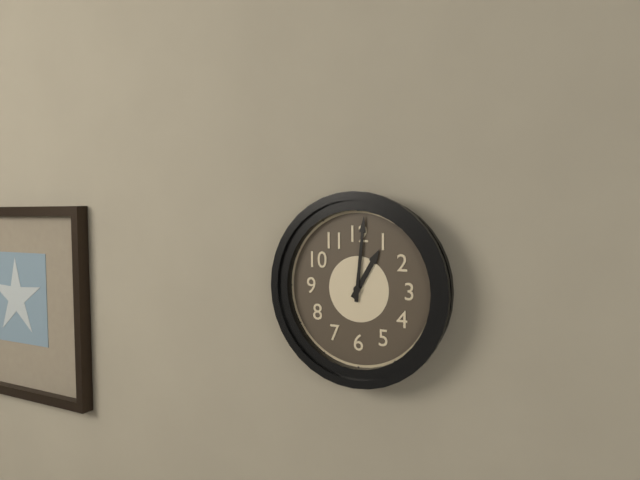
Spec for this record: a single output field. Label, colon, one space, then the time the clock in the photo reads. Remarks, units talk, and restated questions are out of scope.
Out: 1:01
